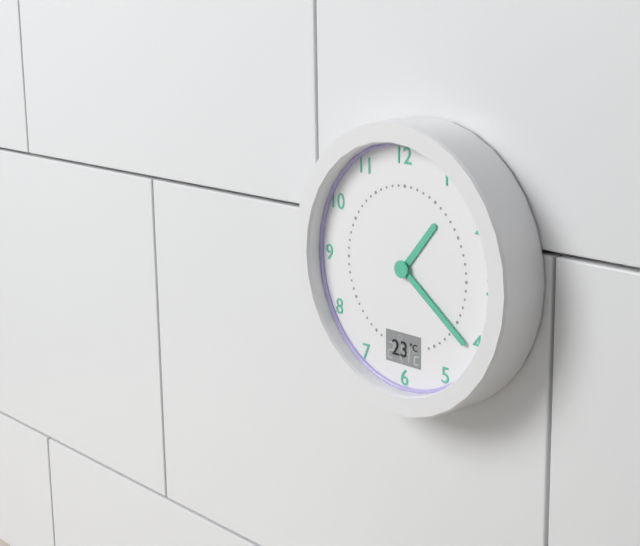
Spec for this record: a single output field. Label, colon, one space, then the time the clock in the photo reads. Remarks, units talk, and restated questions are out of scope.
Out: 1:21
